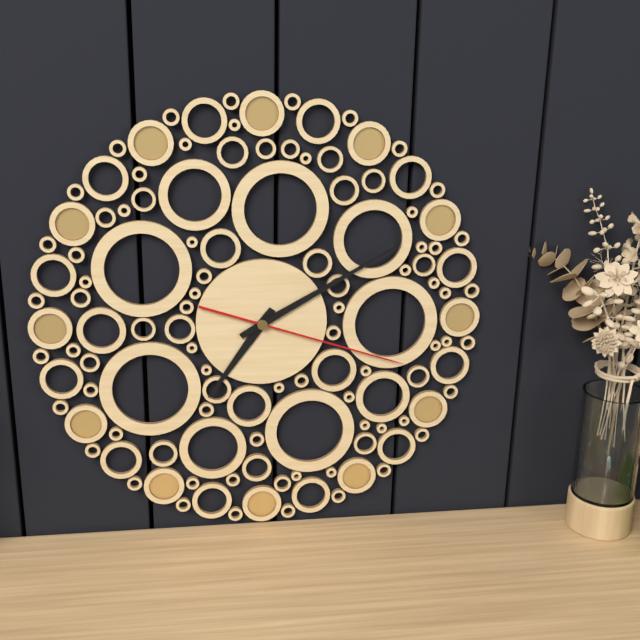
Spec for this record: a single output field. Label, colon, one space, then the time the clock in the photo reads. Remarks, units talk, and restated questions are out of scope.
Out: 7:10:18
